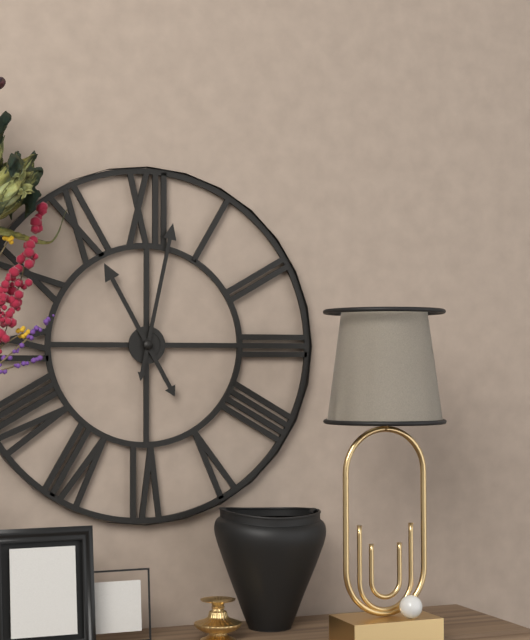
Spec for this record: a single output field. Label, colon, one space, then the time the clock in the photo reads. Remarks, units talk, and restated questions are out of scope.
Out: 11:02
